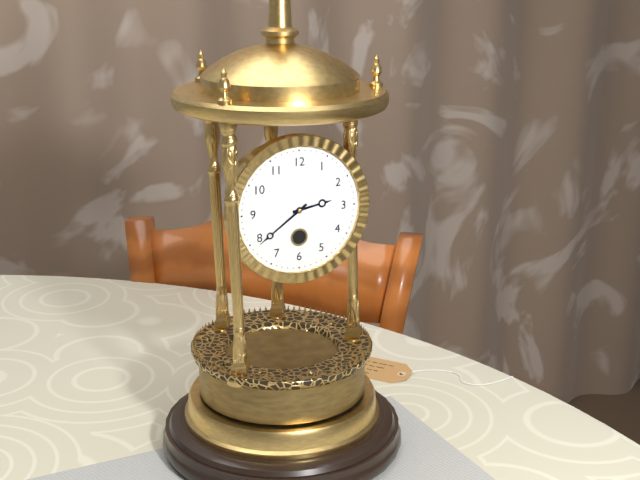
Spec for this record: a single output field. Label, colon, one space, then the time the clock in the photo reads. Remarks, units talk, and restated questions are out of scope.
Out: 2:39
